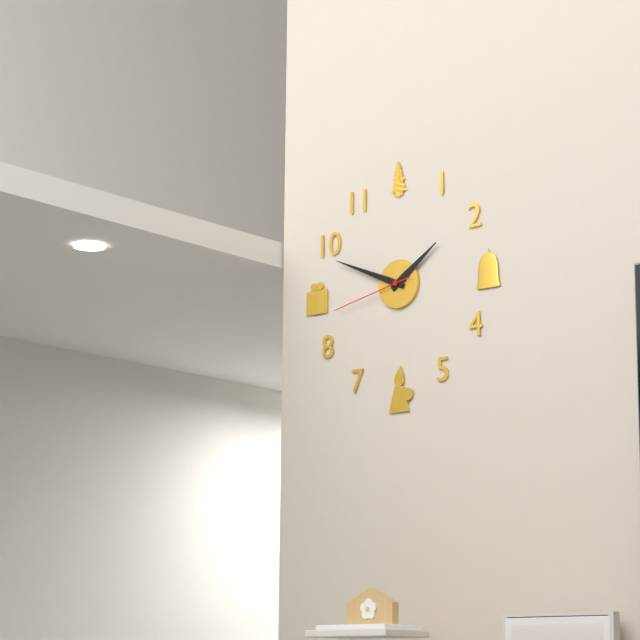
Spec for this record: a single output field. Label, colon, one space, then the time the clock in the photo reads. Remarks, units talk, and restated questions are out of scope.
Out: 1:49:43
